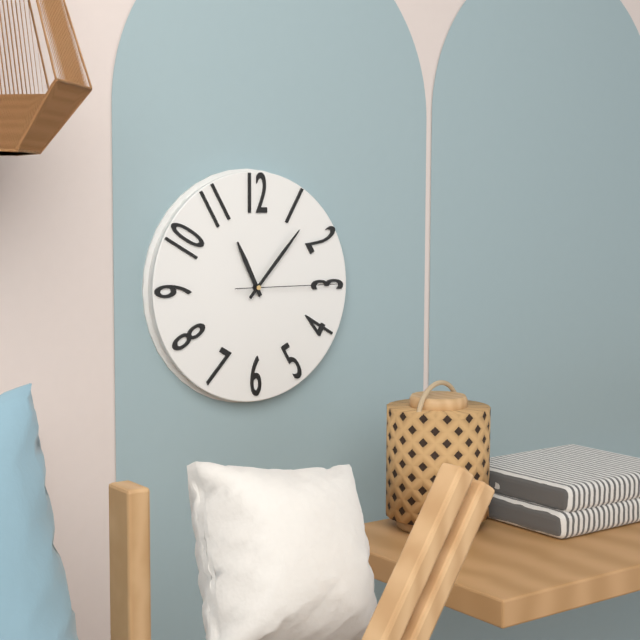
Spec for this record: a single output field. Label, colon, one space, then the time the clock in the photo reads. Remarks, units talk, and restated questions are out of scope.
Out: 11:07:15
